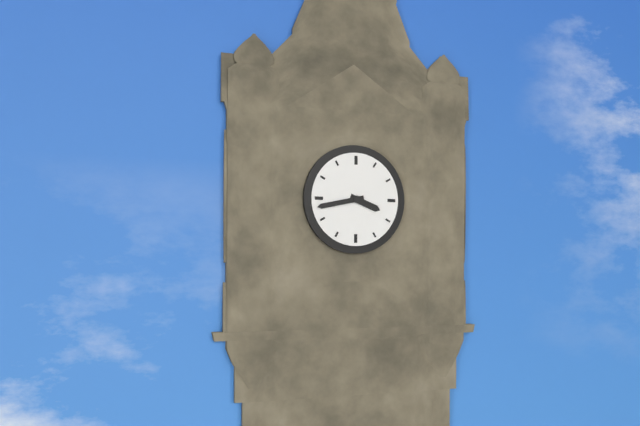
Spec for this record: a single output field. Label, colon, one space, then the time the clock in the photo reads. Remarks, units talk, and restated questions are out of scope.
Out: 3:43
